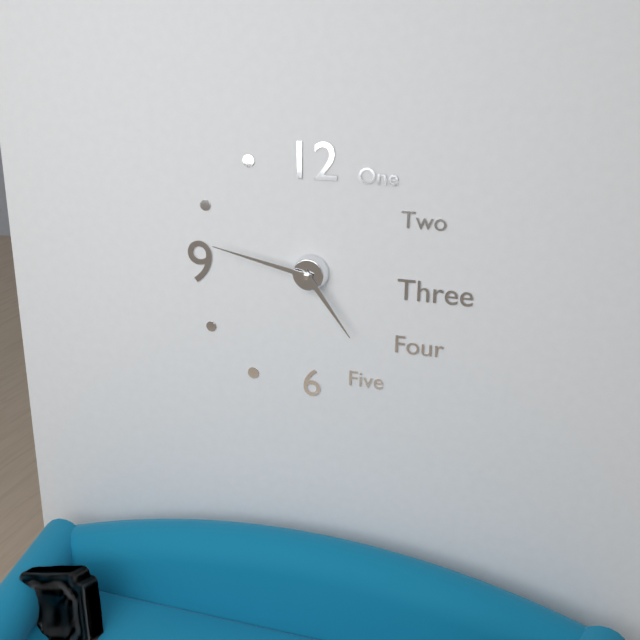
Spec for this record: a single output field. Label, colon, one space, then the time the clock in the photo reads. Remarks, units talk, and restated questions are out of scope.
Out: 4:47
